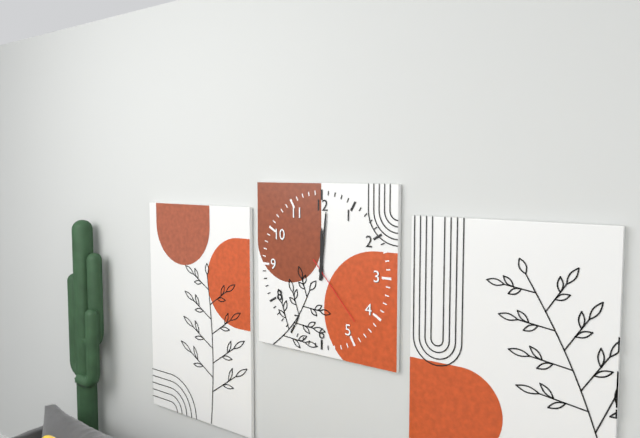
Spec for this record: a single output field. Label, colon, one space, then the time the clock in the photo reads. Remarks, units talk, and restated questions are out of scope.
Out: 12:01:23
